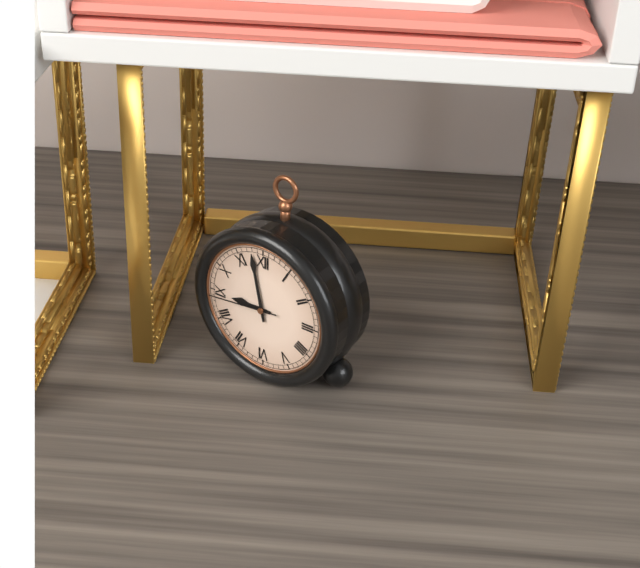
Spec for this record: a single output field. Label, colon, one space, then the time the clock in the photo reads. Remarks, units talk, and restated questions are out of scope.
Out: 8:58:44
